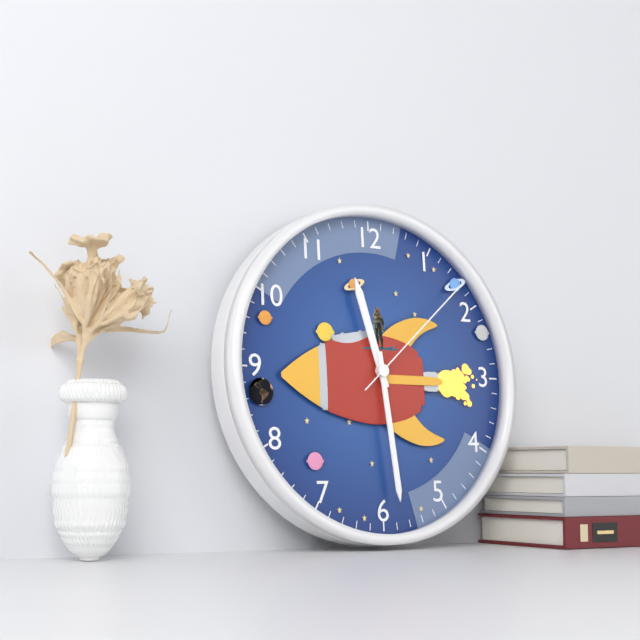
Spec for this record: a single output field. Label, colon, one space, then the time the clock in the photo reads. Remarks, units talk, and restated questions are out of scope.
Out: 11:29:08
